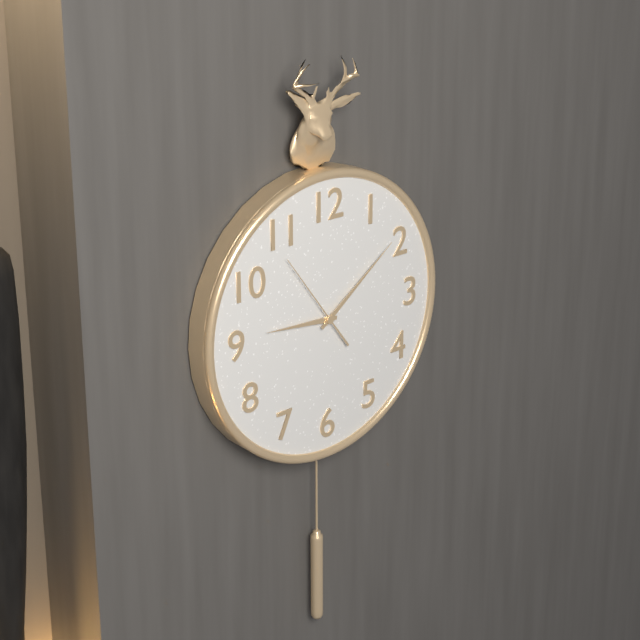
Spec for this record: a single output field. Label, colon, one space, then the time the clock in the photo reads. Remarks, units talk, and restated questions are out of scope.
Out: 9:09:54
